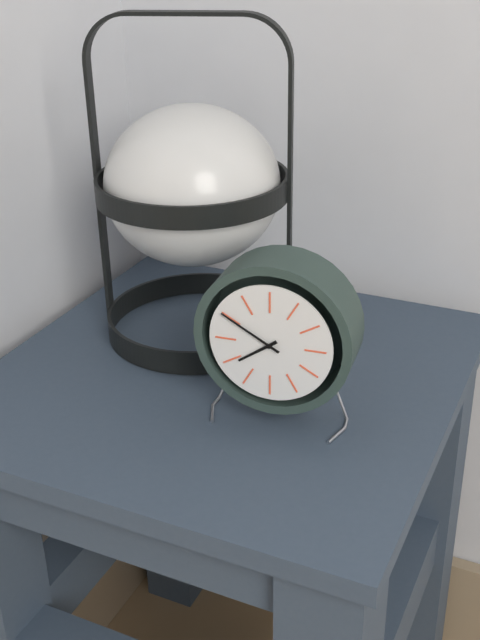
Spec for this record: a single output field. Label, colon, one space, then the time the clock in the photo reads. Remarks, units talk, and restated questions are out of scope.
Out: 7:50
